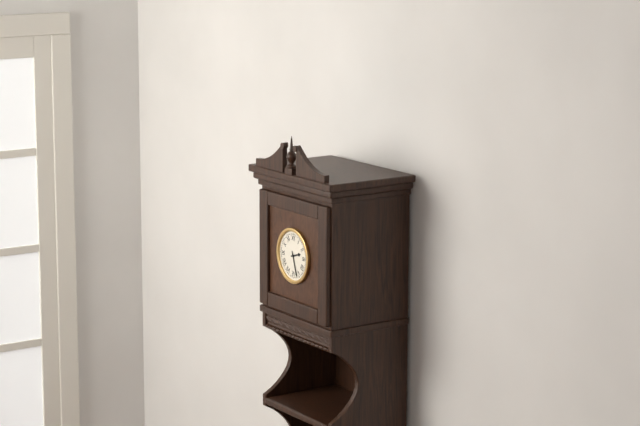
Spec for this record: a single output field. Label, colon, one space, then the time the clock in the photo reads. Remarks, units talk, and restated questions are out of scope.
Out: 2:27
